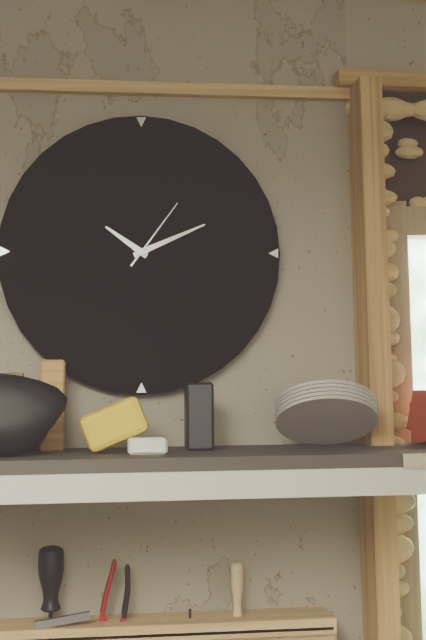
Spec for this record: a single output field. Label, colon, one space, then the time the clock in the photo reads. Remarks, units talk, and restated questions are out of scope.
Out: 10:11:06
